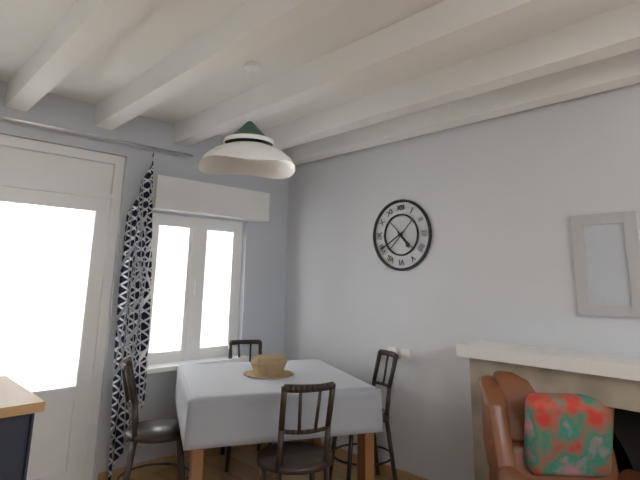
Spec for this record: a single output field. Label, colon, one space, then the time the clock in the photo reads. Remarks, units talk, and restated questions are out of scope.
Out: 4:40
